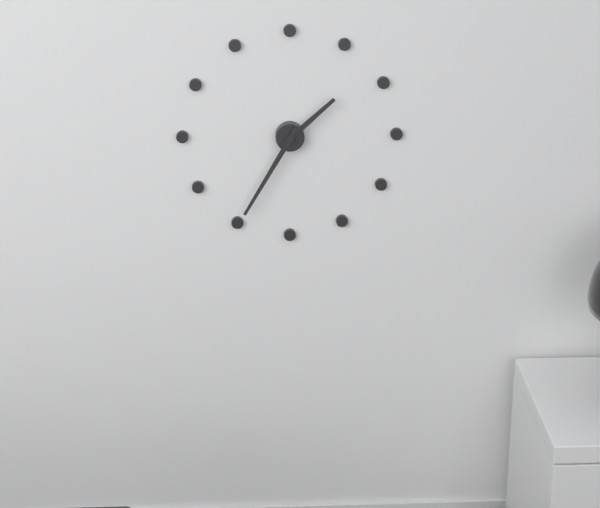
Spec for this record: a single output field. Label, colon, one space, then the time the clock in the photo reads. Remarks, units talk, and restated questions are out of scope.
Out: 1:35
